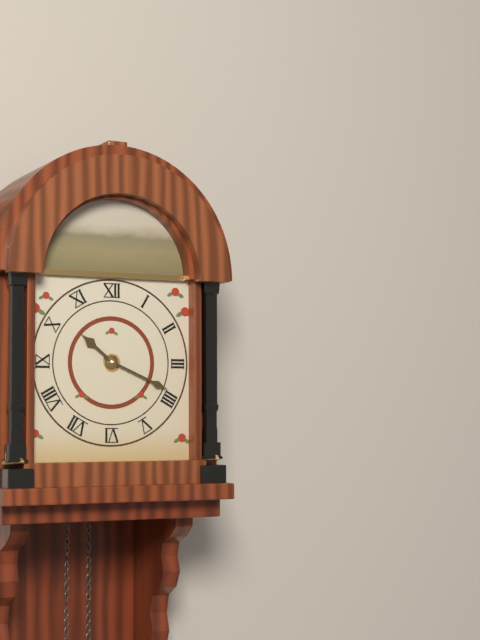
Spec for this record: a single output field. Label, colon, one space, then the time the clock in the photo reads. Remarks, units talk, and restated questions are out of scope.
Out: 10:19
